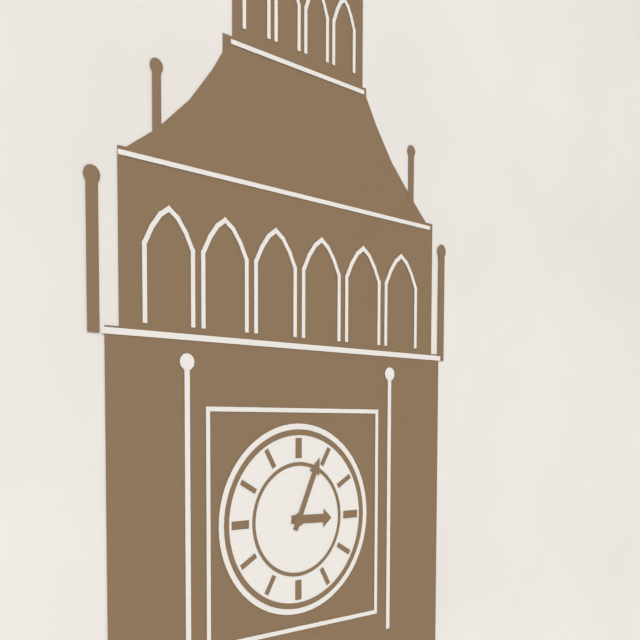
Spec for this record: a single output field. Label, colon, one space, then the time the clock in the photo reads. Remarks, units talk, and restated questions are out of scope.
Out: 3:04
